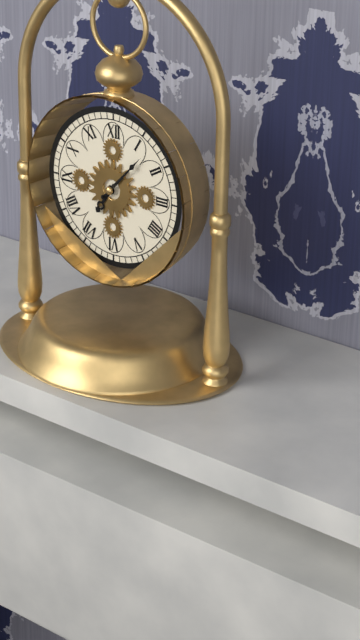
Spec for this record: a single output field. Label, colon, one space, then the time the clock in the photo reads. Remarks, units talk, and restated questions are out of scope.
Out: 7:07
